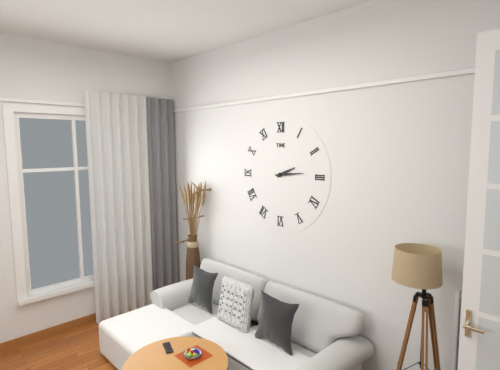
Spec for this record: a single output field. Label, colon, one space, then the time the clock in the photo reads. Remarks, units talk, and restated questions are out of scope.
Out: 2:14
